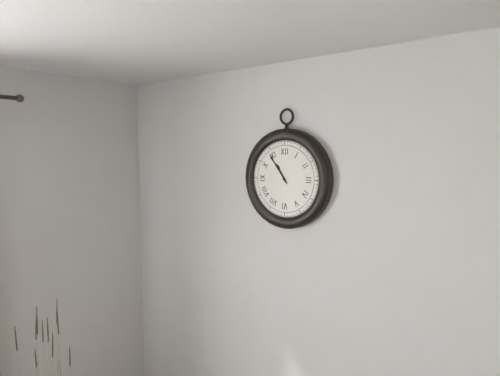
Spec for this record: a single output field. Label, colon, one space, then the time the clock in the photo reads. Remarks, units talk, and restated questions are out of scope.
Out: 10:54
